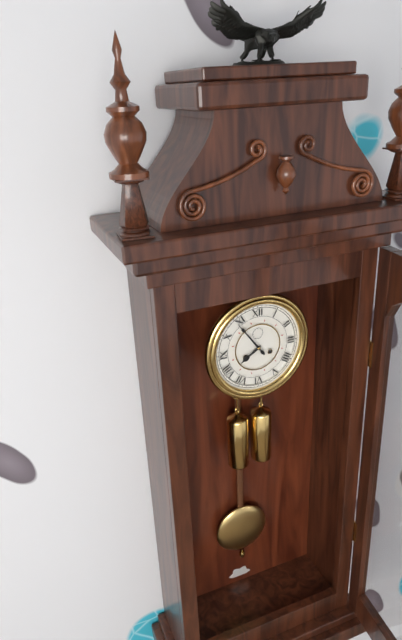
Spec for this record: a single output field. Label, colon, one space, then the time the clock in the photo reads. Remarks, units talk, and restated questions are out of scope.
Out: 7:54
